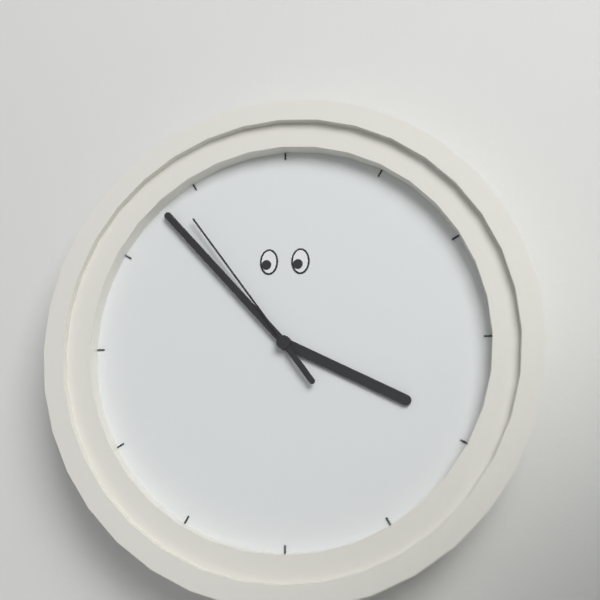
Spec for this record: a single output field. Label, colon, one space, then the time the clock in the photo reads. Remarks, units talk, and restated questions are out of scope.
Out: 3:53:54
